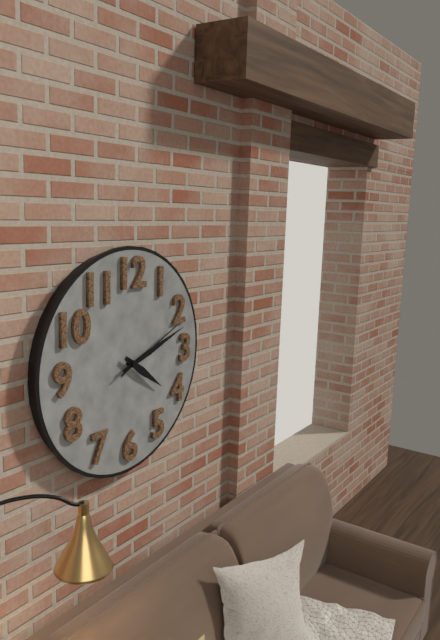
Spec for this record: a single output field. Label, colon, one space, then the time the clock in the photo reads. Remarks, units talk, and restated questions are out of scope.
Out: 4:12:11
